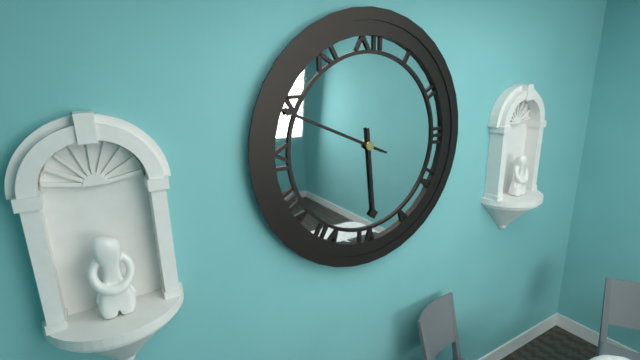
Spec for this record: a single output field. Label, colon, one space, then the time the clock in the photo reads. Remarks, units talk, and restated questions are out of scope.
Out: 5:49
